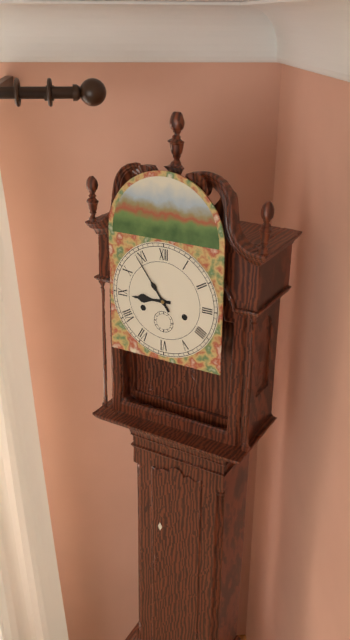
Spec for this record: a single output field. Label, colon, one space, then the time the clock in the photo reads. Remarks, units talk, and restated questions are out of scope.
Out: 8:54
